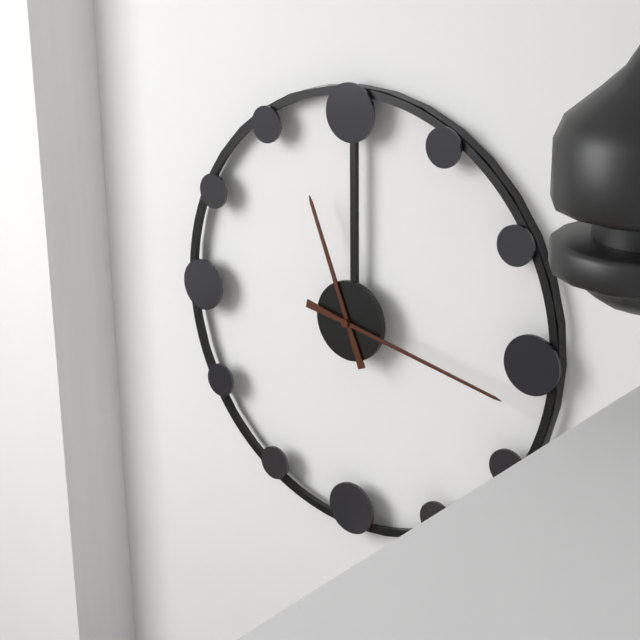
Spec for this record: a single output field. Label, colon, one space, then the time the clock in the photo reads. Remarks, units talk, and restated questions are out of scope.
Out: 11:17
